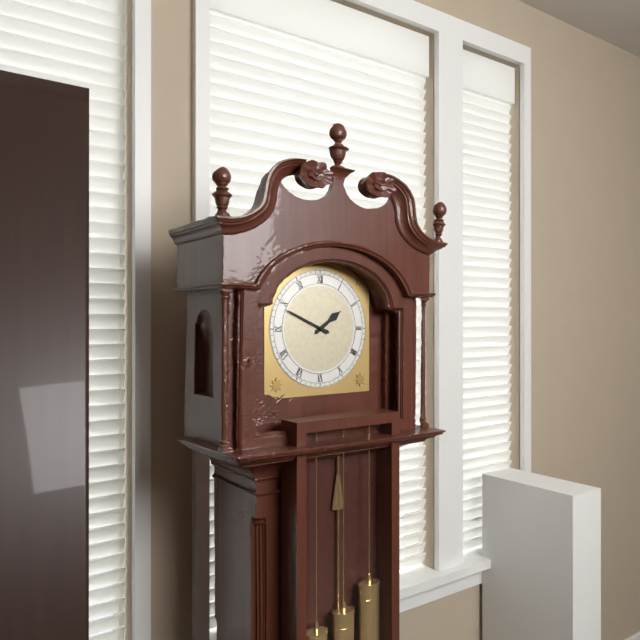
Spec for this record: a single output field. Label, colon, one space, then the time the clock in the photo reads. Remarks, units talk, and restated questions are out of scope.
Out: 1:49
